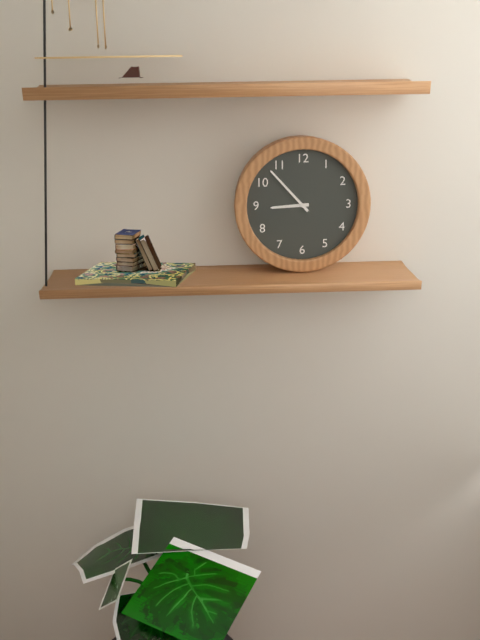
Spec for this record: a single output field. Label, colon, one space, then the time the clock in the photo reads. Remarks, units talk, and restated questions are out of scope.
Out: 8:53
